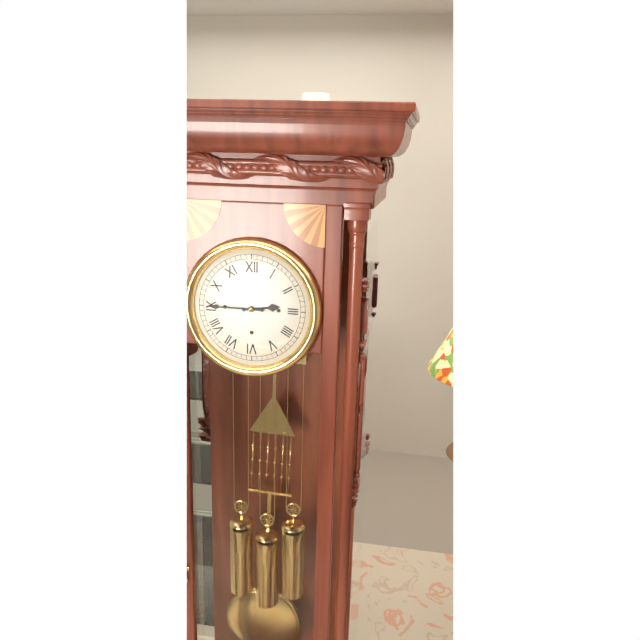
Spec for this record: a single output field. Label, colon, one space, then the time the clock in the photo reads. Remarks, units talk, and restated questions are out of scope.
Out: 2:45
